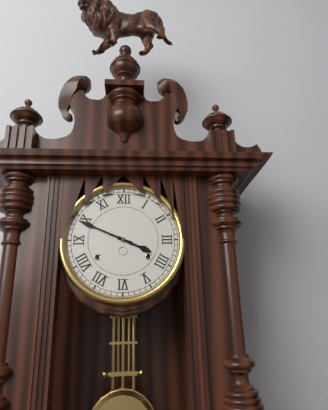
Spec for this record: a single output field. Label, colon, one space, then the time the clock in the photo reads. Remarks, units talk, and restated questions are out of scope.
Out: 3:49
